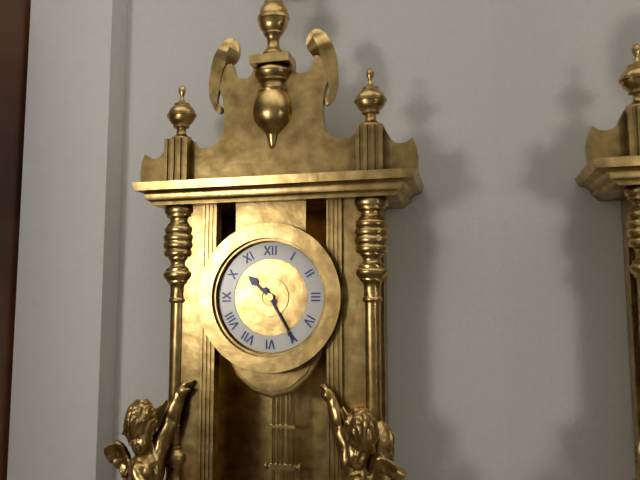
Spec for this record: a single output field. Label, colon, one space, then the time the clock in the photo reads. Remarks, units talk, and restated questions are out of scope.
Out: 10:25
